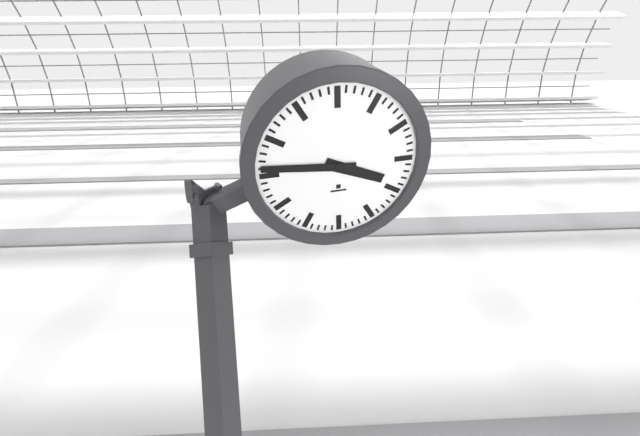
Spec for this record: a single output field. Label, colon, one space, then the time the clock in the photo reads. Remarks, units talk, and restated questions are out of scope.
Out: 3:46
